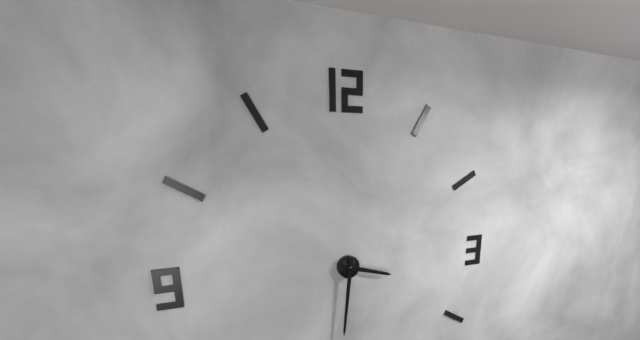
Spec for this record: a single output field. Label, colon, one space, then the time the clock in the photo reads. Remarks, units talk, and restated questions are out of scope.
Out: 3:31
